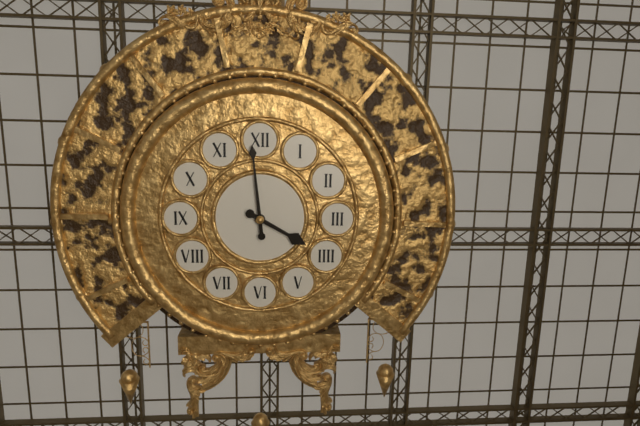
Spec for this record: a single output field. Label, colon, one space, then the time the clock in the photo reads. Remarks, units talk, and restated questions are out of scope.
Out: 3:59
